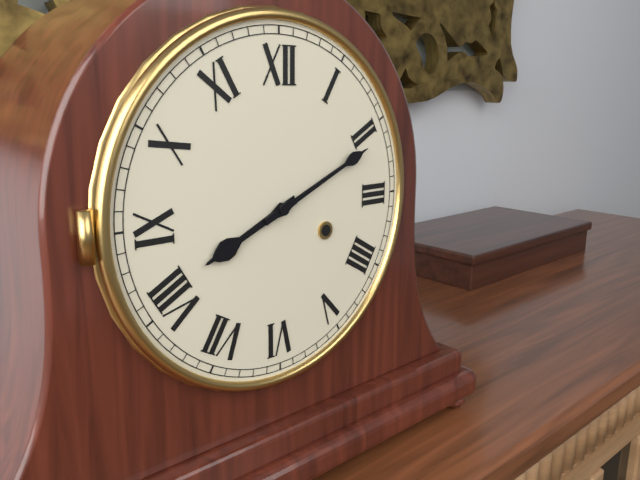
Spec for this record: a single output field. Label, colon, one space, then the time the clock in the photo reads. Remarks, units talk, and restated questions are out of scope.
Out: 8:11
